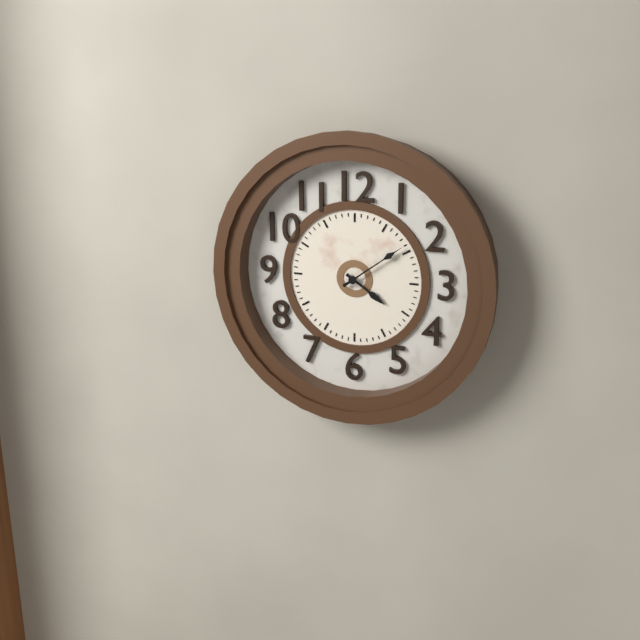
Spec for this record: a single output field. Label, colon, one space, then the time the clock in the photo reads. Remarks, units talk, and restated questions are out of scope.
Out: 4:09
